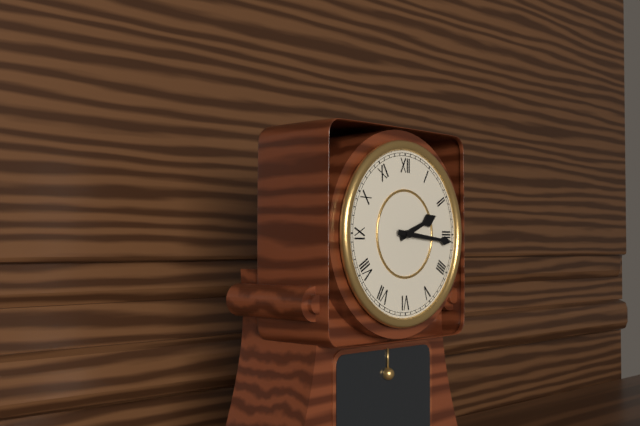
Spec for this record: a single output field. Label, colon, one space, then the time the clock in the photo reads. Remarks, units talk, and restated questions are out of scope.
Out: 2:16
